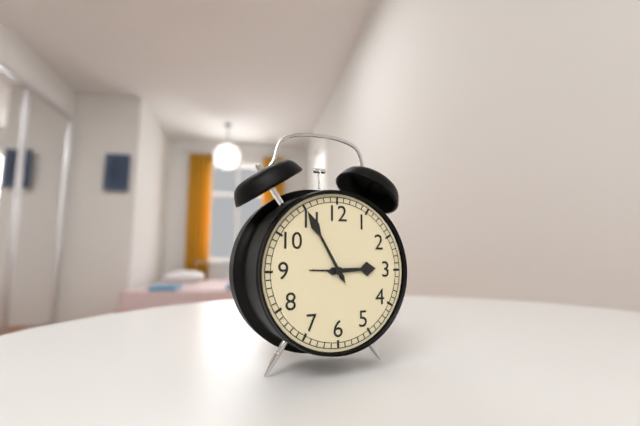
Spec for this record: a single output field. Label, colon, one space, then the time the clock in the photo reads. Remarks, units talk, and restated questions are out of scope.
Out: 2:55
